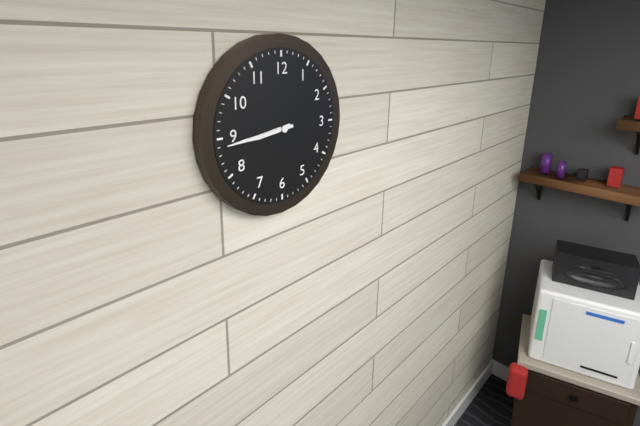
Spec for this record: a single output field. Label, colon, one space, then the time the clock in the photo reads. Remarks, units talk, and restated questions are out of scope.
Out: 8:44
